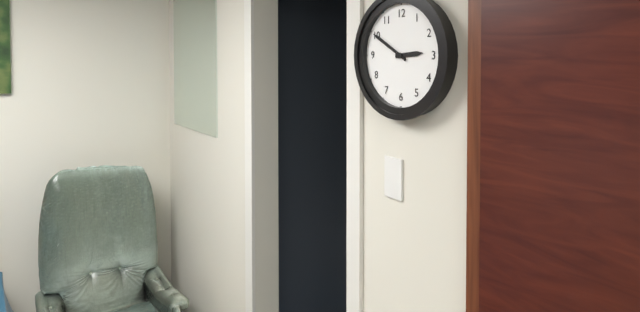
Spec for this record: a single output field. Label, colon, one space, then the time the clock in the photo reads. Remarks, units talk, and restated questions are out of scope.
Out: 2:50
